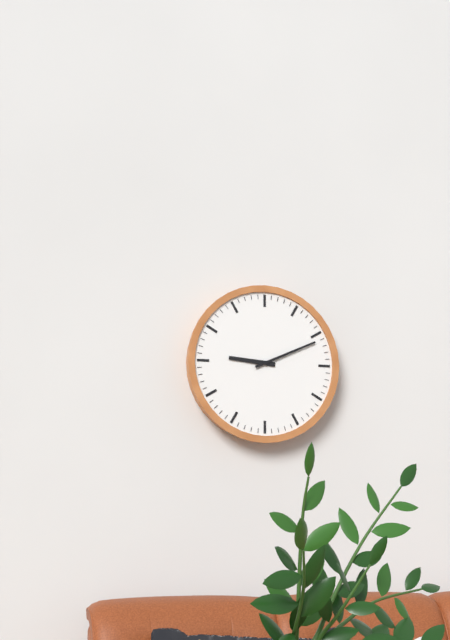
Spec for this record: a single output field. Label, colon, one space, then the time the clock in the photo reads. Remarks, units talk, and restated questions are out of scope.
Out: 9:11
